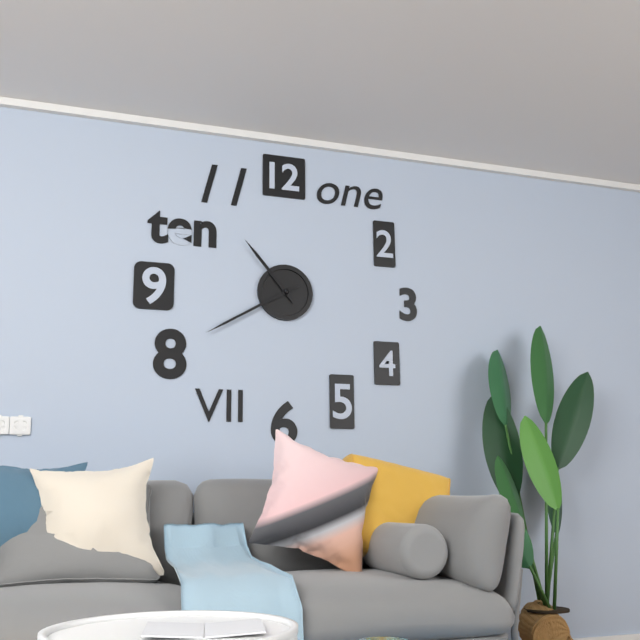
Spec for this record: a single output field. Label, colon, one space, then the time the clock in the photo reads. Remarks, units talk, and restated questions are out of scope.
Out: 10:40
